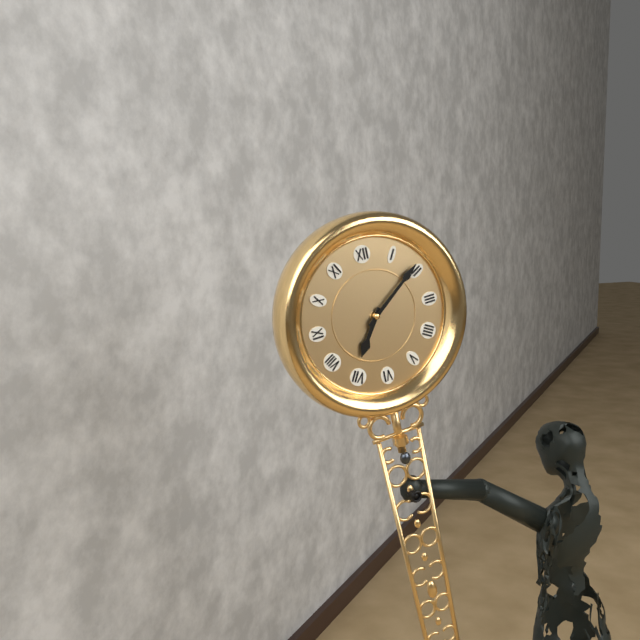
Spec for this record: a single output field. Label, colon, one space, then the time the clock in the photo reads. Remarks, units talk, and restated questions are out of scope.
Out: 7:09
